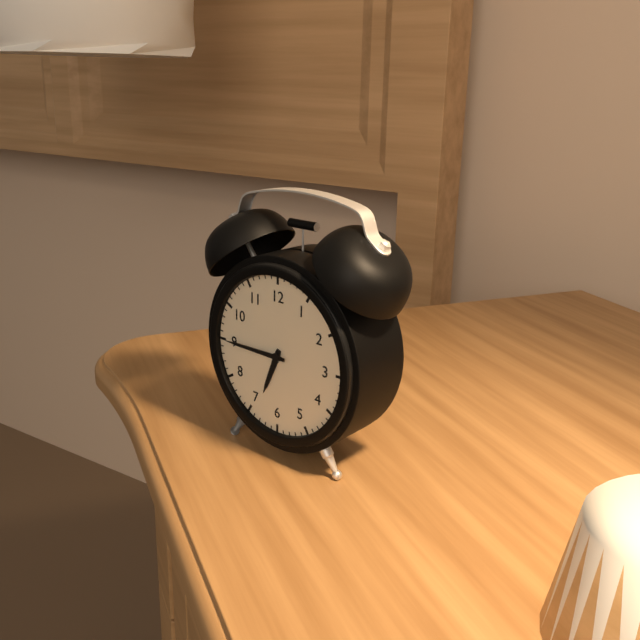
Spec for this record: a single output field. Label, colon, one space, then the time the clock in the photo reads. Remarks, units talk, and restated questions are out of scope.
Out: 6:45
